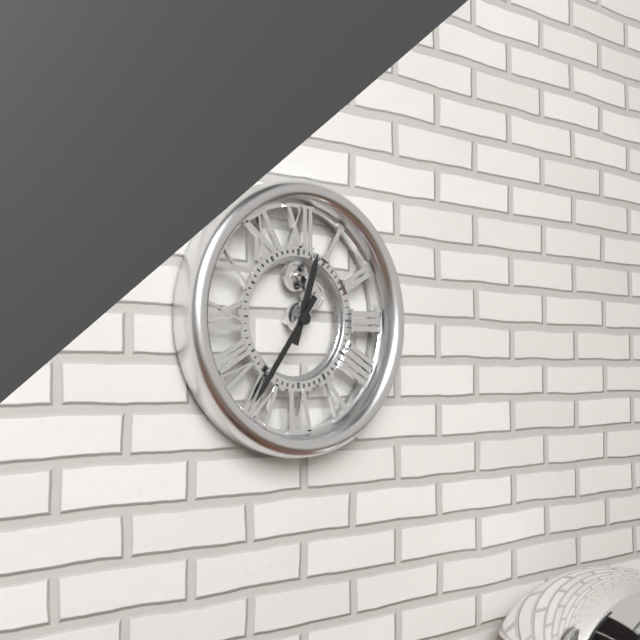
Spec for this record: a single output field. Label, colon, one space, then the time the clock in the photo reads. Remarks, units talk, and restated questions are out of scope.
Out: 12:36
